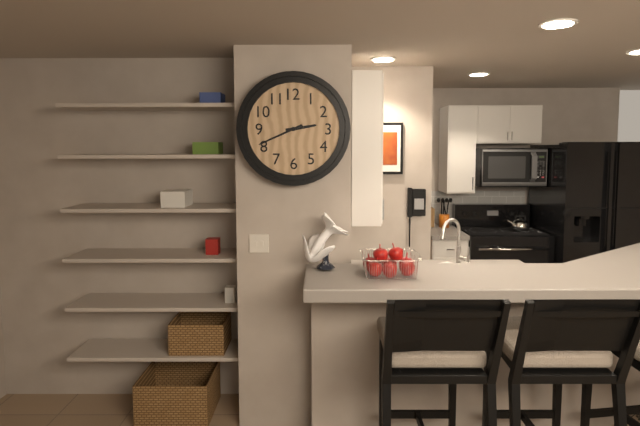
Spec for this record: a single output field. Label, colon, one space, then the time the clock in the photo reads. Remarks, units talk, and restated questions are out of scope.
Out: 2:41
